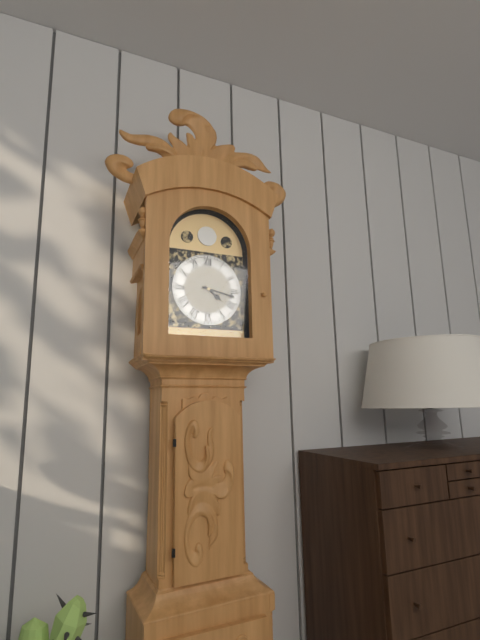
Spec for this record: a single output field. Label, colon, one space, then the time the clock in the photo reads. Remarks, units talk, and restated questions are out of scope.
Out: 4:17
